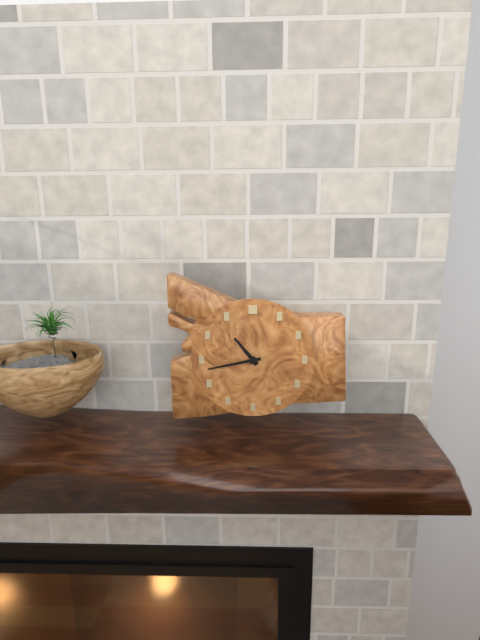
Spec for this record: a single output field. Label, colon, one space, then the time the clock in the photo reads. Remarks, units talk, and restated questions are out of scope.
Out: 10:43
